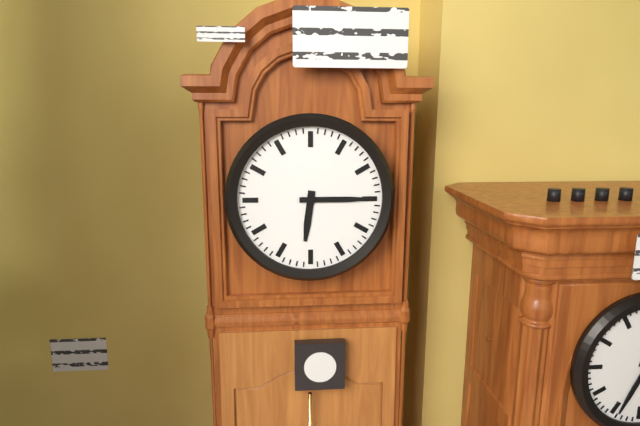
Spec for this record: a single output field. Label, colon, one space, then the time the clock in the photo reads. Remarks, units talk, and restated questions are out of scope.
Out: 6:15
